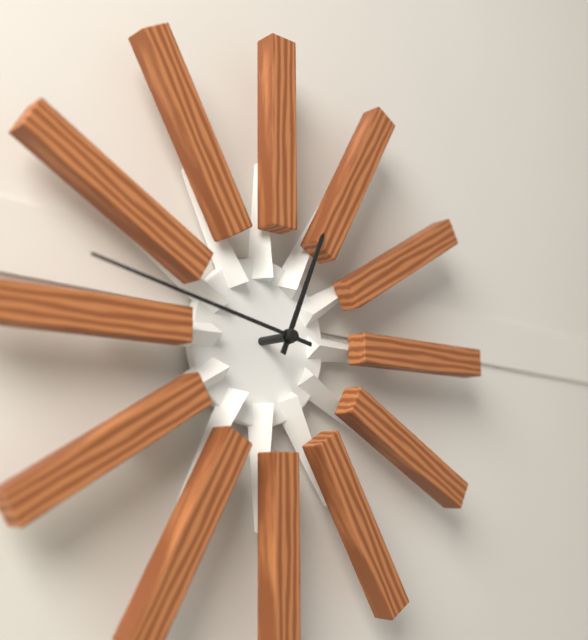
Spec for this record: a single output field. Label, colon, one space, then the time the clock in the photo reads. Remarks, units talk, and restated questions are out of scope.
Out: 12:47
